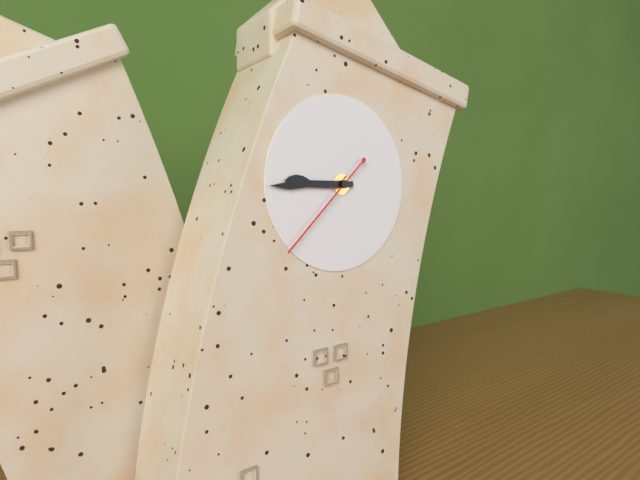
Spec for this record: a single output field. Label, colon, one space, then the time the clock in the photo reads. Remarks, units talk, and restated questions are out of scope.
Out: 8:43:36
